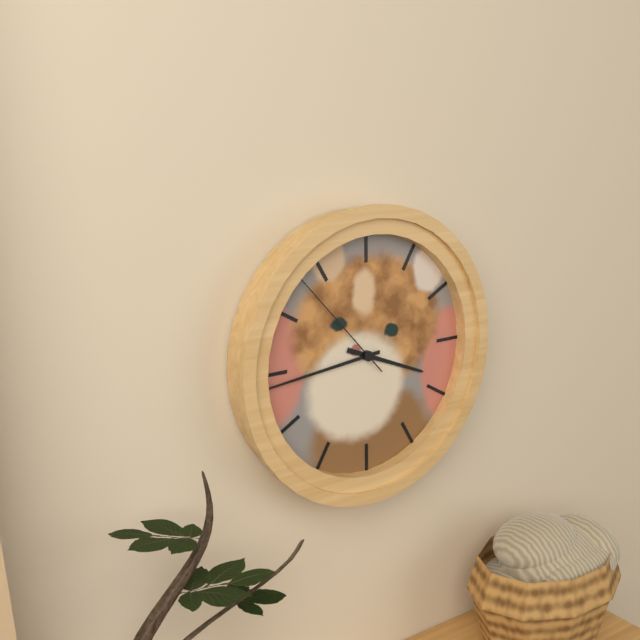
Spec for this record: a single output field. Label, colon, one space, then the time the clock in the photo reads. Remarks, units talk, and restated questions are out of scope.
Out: 3:44:53
